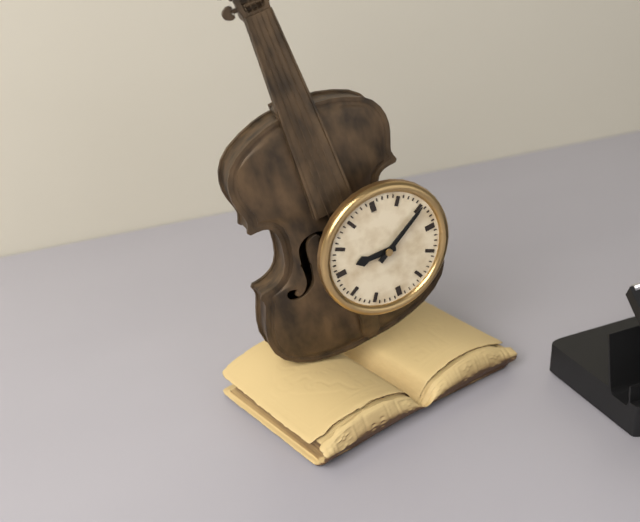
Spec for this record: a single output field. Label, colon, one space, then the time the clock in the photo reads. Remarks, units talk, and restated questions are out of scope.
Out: 9:10
